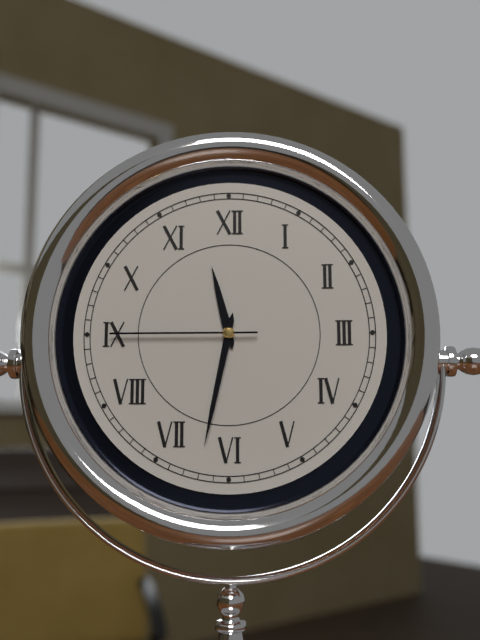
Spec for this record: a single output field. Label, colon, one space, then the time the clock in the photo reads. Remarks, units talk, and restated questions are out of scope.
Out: 11:32:45
